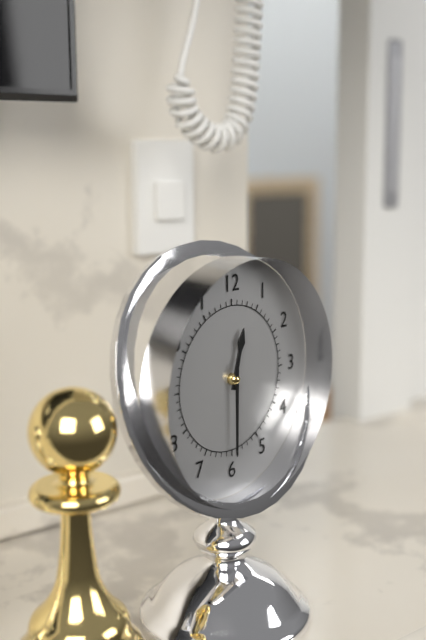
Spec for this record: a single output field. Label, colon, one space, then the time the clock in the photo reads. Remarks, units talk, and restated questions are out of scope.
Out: 12:30
